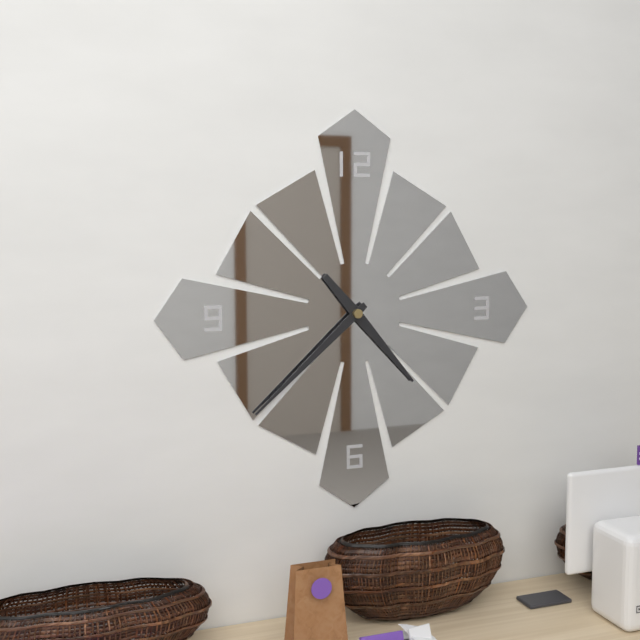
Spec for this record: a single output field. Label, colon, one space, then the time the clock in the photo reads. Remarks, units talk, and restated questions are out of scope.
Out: 4:38
